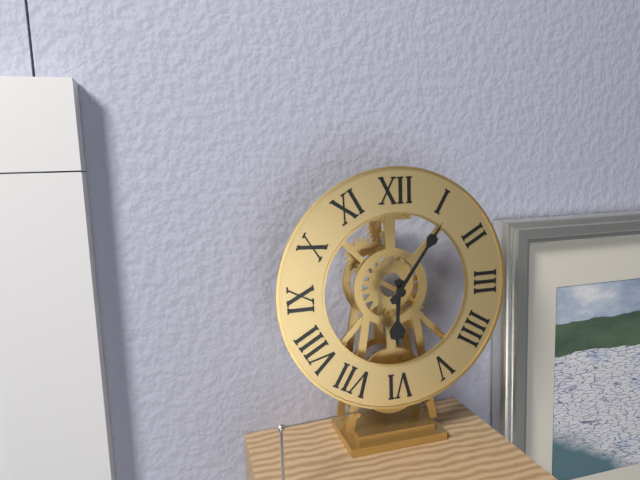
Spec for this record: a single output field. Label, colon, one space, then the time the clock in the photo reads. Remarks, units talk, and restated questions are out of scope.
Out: 6:06
